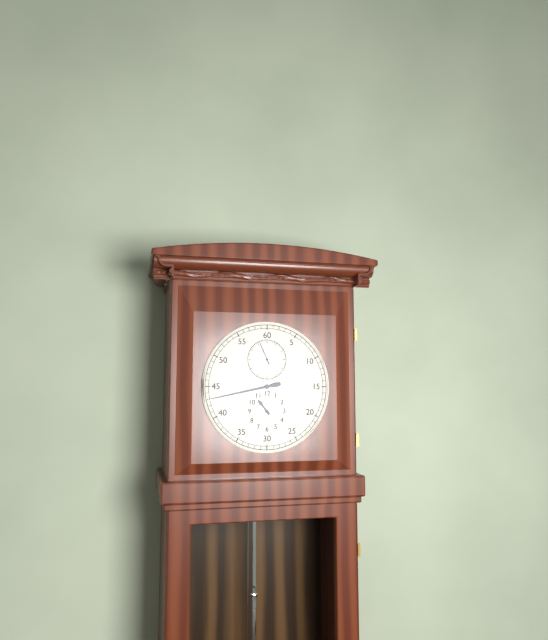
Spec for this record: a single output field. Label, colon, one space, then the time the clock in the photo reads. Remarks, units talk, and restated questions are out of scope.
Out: 10:43
